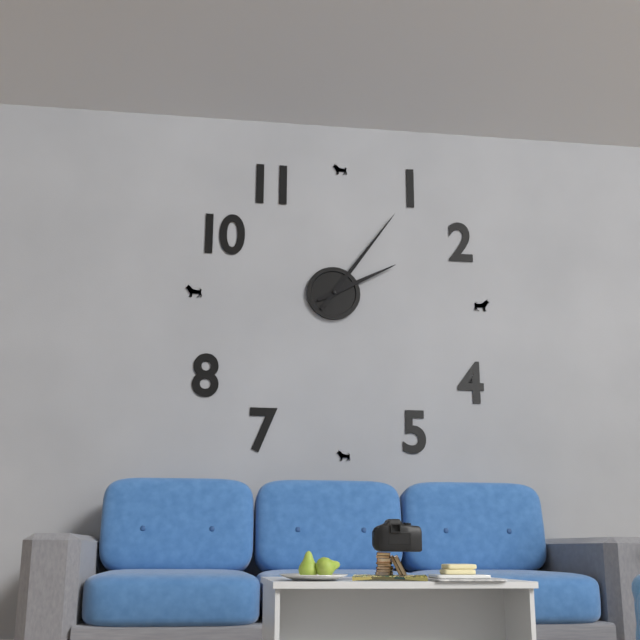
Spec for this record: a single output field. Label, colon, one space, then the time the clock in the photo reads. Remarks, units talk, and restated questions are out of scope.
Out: 2:06
